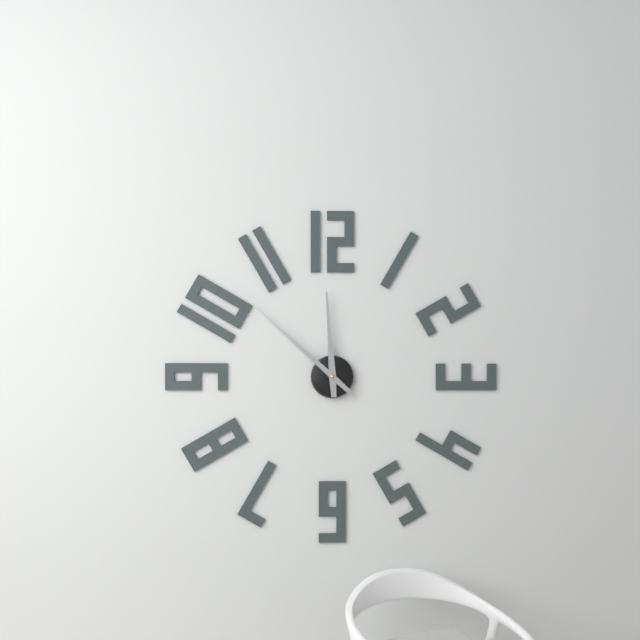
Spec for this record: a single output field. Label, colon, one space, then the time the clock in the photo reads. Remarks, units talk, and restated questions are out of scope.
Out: 11:52
